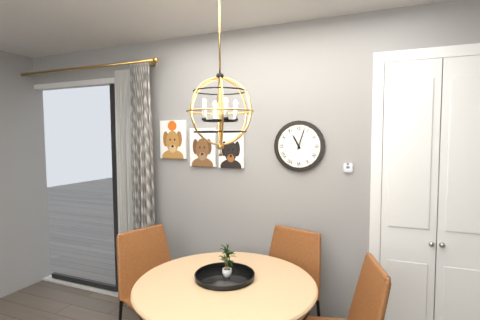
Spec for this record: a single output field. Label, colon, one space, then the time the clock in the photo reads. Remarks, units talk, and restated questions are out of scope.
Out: 11:03
